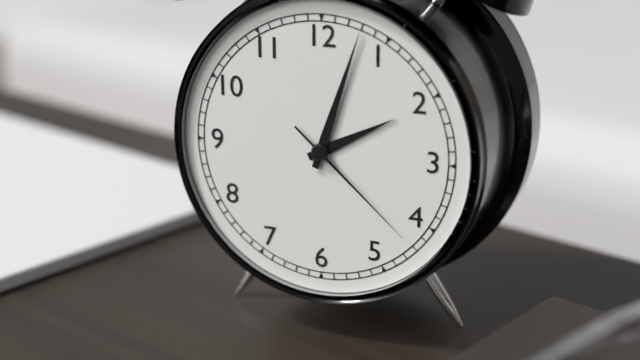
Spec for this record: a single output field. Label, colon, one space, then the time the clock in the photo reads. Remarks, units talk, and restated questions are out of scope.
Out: 2:03:22
